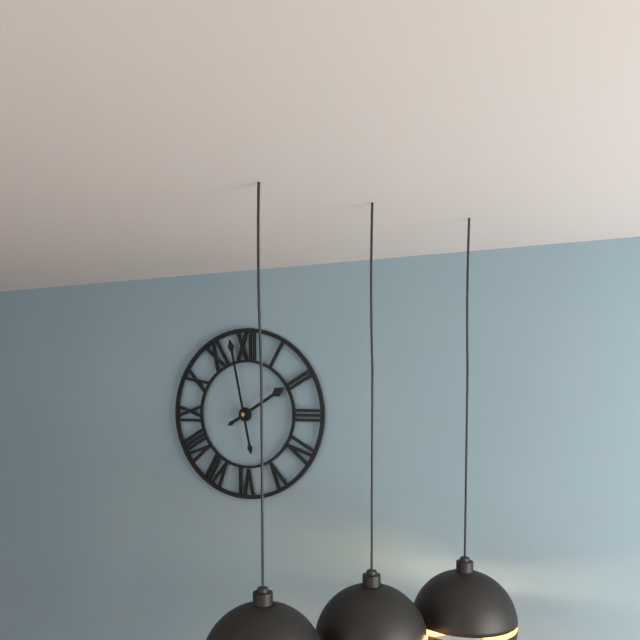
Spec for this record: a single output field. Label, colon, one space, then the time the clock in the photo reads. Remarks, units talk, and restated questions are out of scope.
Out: 1:58
